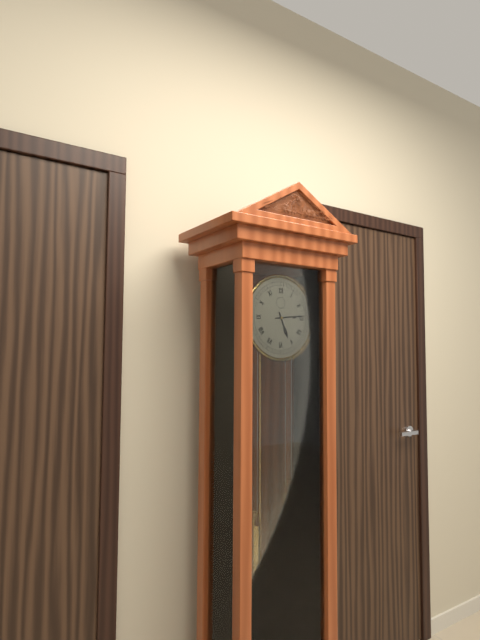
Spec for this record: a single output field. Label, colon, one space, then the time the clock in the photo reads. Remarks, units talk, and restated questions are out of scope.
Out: 5:14
